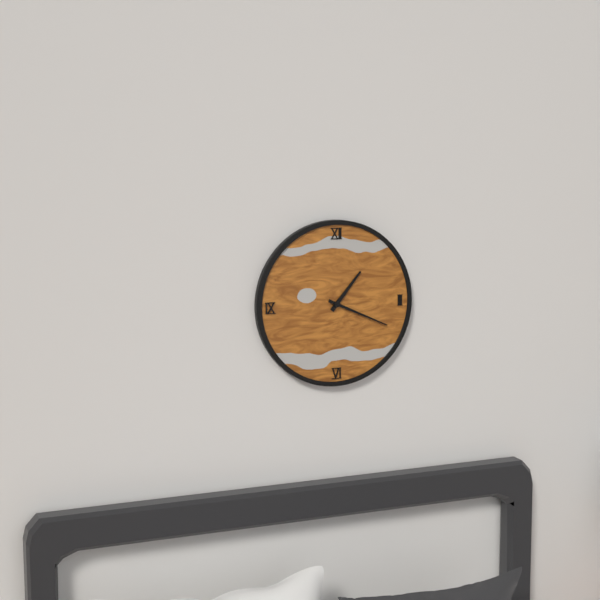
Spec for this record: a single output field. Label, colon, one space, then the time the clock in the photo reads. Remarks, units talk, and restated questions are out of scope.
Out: 1:19
